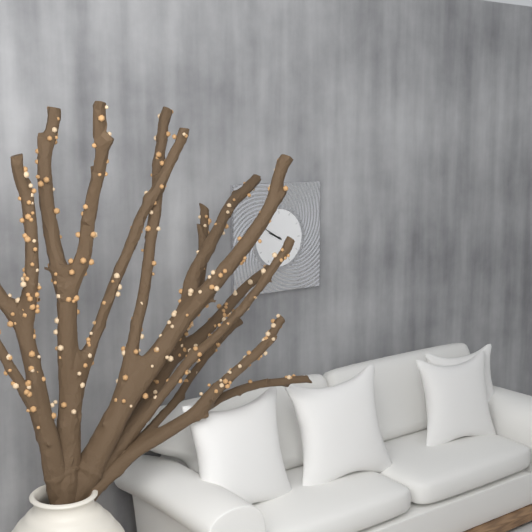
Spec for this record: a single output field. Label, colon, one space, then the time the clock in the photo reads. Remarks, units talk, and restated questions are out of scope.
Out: 9:50
